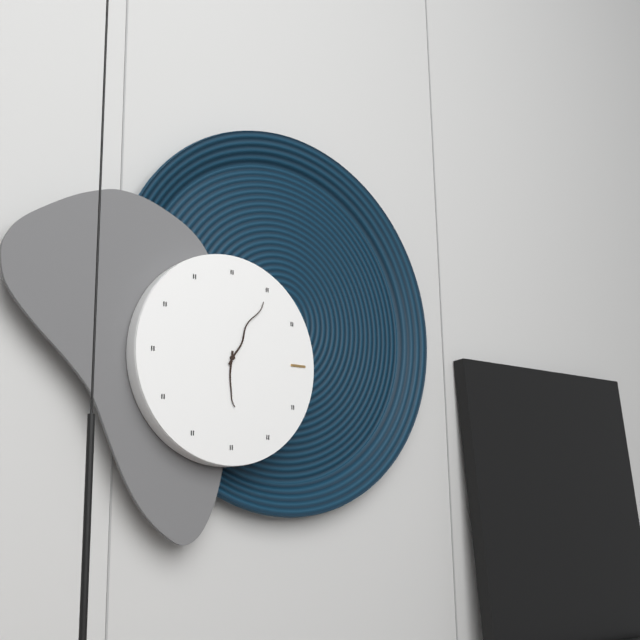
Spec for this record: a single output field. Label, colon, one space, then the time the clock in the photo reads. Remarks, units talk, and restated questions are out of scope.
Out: 6:05
